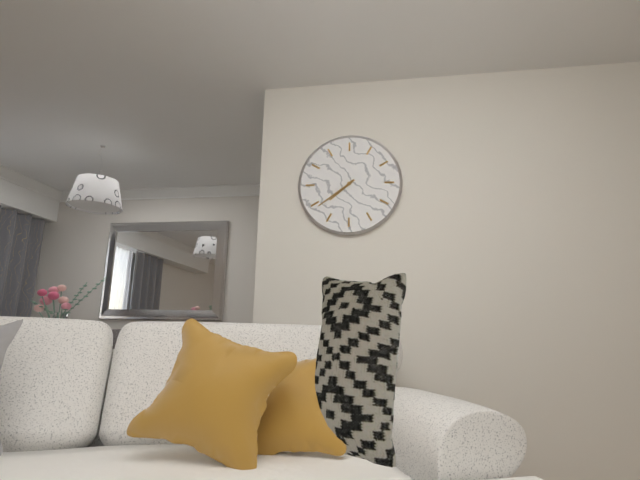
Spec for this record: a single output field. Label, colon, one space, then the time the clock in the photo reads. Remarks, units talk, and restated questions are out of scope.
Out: 7:39
